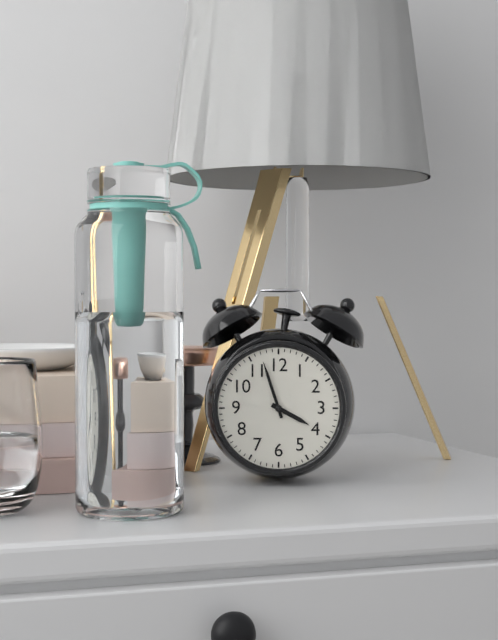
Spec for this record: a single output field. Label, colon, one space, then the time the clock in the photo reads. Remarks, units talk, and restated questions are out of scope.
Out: 3:57
